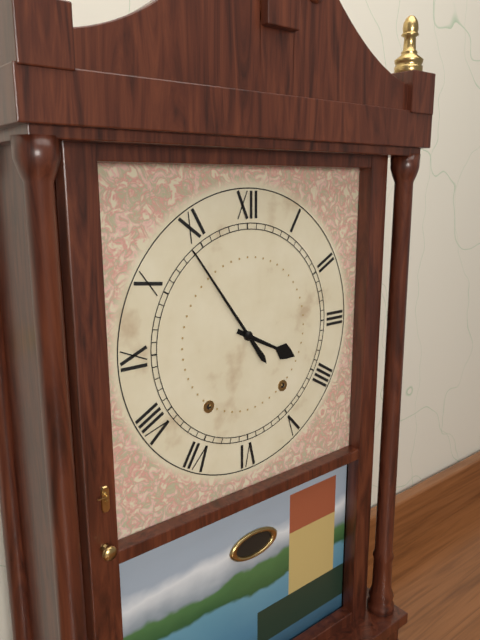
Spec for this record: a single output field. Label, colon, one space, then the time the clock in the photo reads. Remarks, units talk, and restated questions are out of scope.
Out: 3:54
